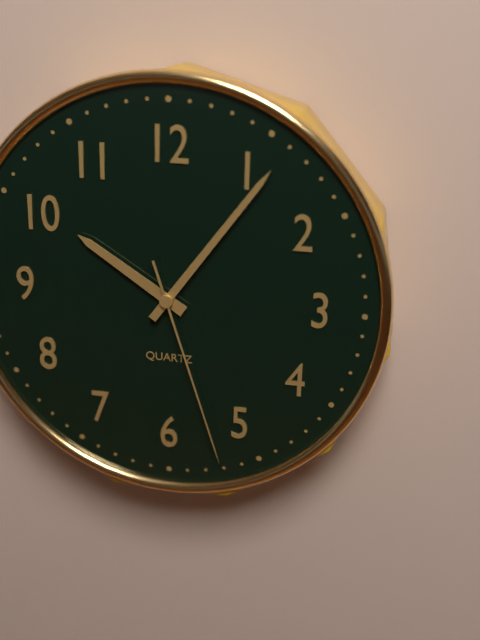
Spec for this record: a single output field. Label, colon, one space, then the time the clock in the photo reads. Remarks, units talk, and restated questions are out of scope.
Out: 10:06:27
